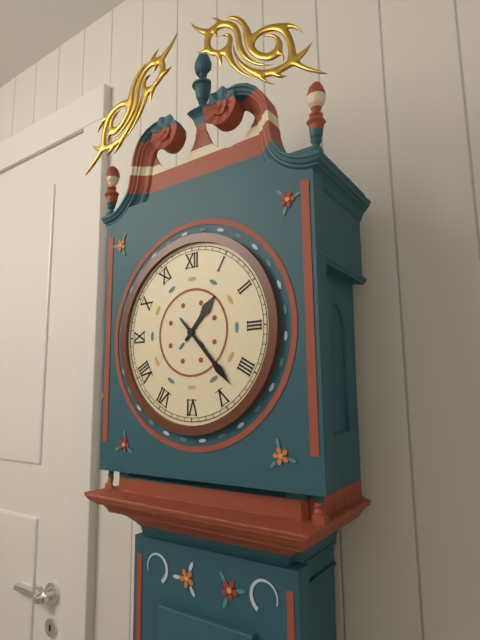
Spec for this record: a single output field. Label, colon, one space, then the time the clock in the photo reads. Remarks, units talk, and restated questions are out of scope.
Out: 1:23
